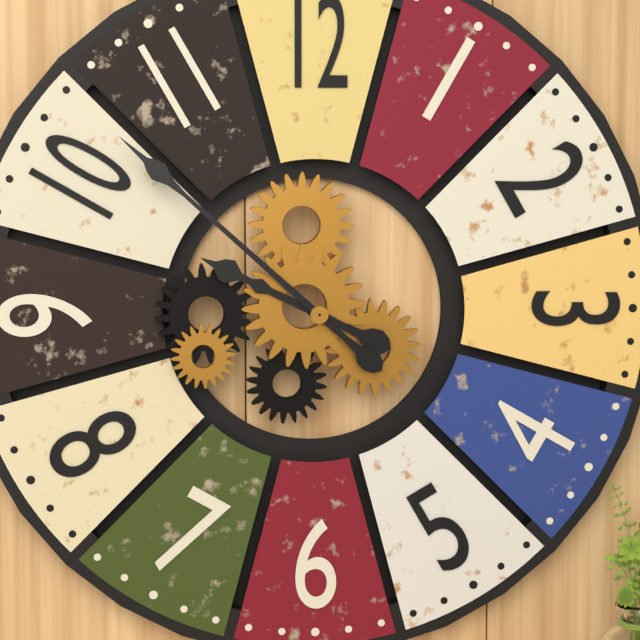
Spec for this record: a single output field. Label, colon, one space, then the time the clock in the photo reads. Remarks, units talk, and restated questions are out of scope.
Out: 9:52
